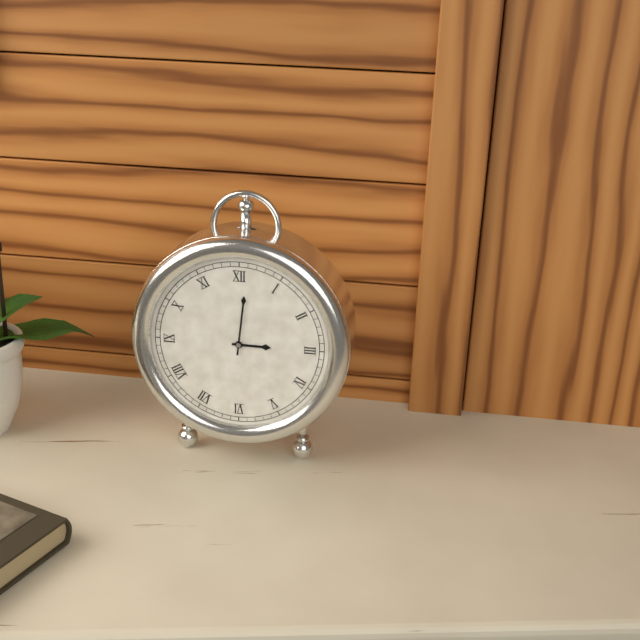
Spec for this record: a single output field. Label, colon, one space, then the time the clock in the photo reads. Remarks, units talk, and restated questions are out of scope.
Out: 3:01
